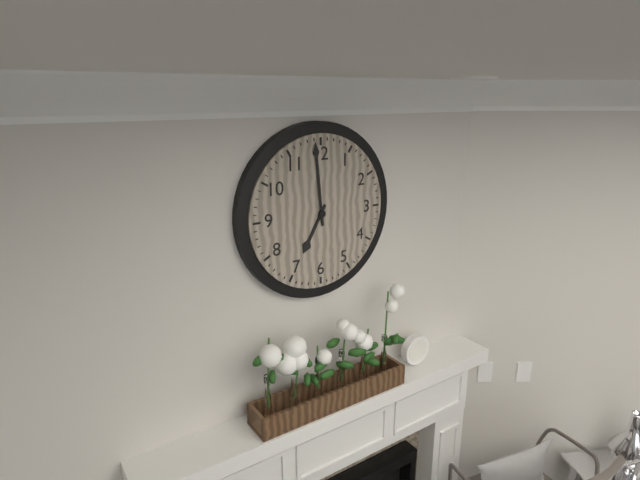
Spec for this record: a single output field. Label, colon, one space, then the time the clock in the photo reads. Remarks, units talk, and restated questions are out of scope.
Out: 6:59
